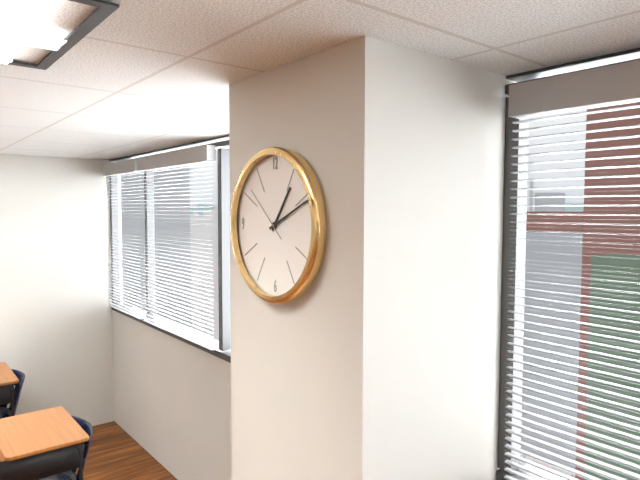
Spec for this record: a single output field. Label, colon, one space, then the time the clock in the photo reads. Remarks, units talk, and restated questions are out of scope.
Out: 1:11:52
